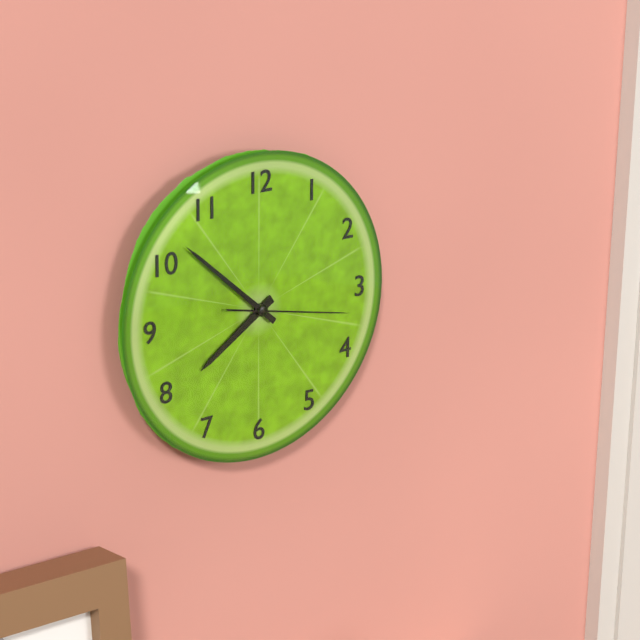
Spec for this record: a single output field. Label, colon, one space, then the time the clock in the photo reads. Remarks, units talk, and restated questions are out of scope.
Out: 7:52:17
